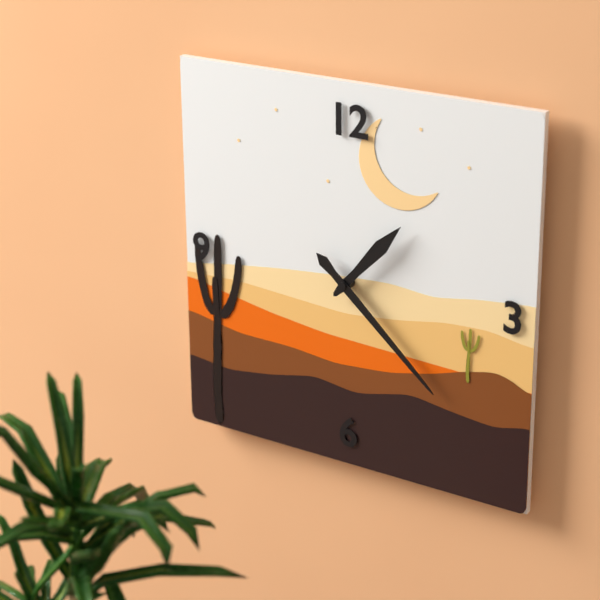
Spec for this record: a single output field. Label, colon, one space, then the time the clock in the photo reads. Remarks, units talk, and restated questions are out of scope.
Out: 1:22
